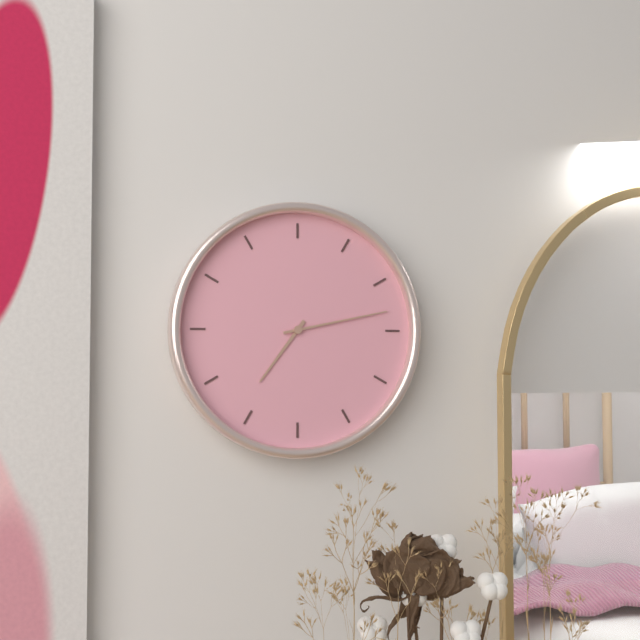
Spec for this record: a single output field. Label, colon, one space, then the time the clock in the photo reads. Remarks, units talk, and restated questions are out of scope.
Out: 7:13
